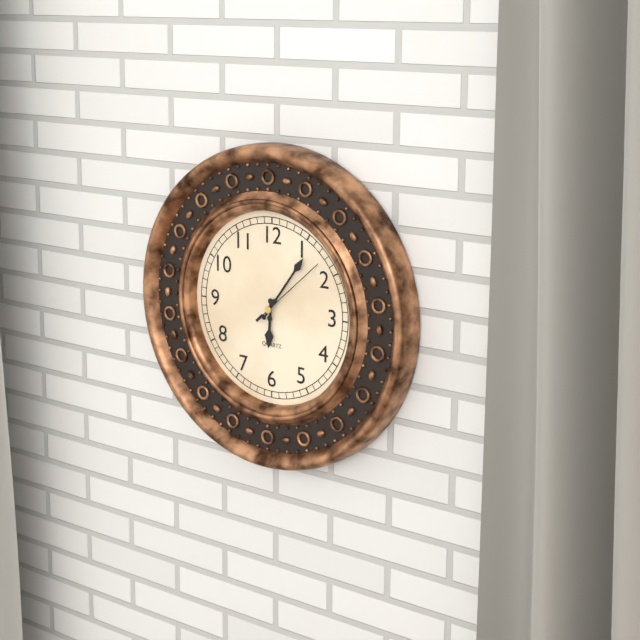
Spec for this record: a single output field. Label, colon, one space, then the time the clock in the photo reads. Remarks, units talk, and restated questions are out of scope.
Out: 6:06:08
